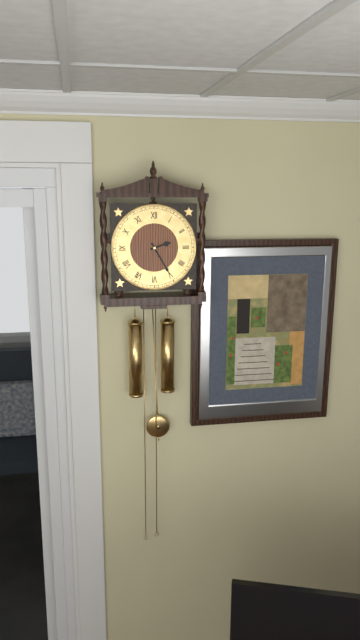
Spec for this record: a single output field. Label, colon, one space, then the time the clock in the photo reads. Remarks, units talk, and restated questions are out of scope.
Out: 2:25
